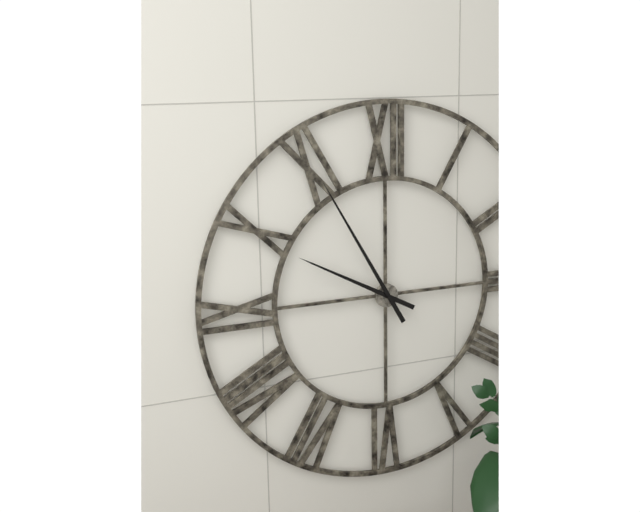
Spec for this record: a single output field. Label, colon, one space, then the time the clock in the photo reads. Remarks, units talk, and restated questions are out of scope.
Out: 9:55
